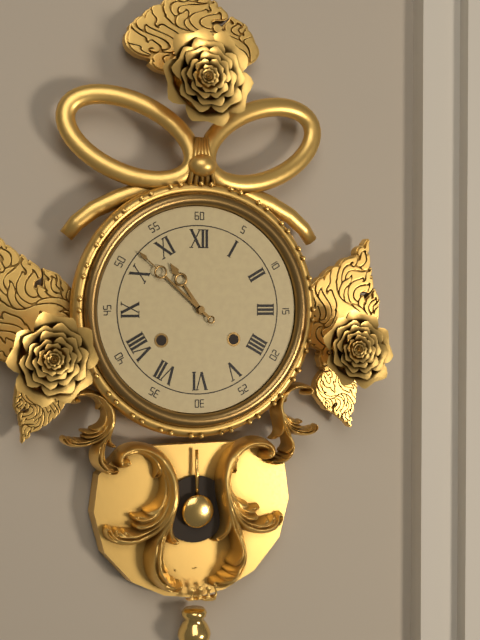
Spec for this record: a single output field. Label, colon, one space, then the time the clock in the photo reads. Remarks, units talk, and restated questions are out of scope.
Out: 10:52
